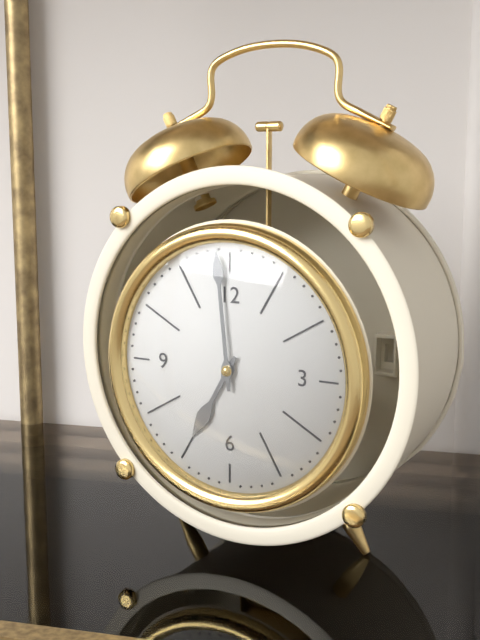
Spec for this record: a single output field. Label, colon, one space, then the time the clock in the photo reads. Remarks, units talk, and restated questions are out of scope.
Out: 6:59
